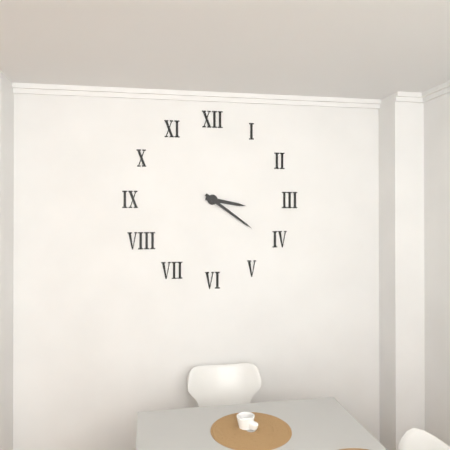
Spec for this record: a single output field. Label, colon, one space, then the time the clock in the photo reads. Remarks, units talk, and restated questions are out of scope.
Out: 3:21
